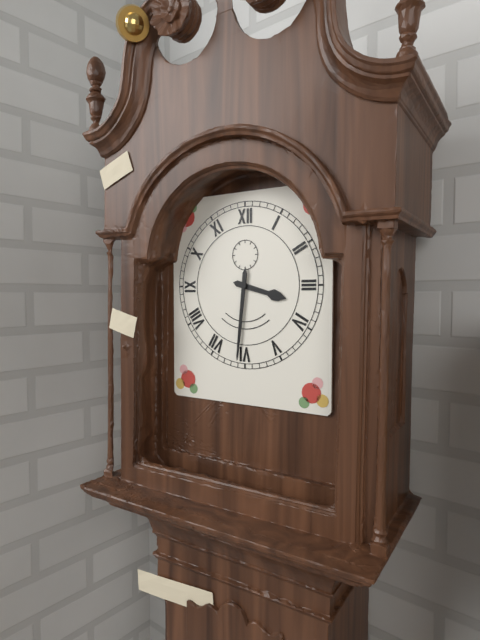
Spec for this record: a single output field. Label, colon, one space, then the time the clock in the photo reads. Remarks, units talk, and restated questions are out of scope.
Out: 3:31
